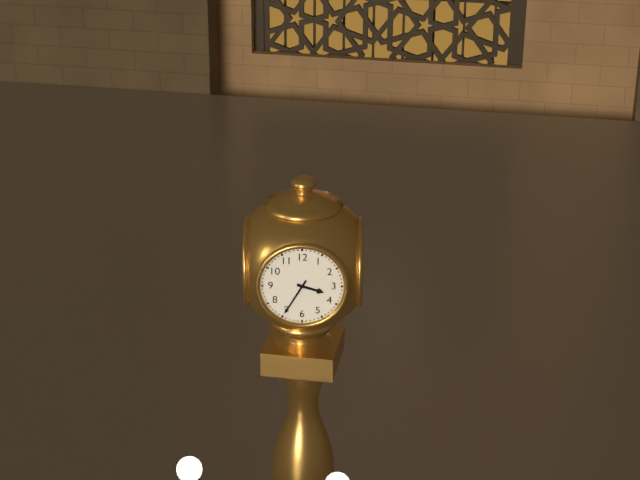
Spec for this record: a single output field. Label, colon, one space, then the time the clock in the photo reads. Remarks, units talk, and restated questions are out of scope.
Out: 3:35
